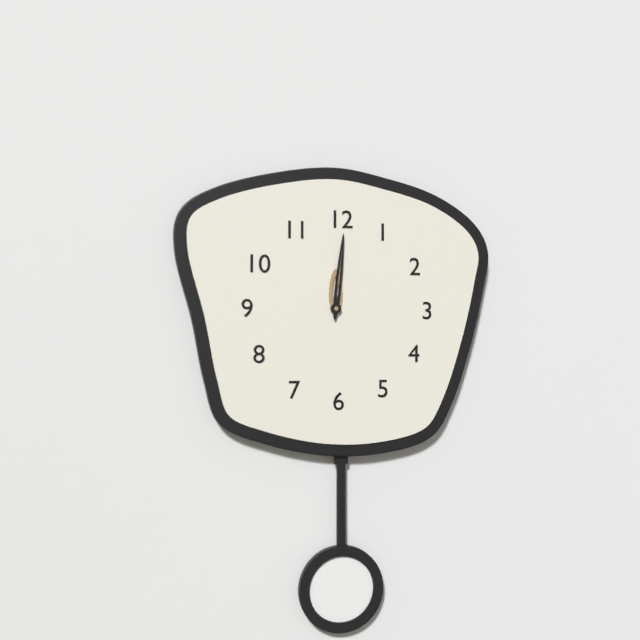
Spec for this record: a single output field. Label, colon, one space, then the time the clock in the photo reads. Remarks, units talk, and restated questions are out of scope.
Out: 12:01
